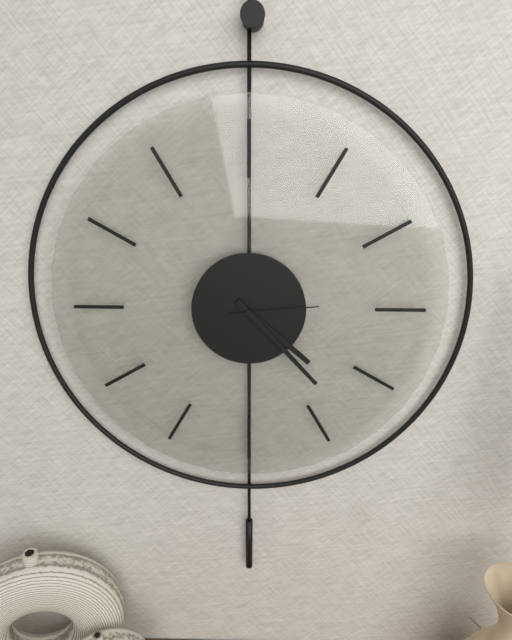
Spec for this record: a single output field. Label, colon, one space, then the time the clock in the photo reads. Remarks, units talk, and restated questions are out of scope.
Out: 4:23:14
